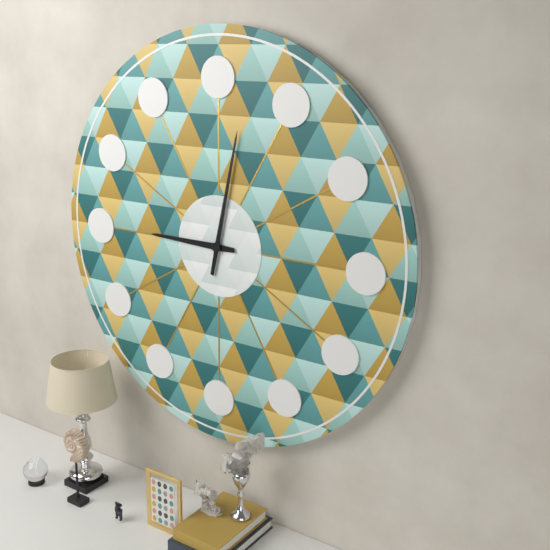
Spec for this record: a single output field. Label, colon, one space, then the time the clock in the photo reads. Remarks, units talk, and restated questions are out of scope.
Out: 9:02
